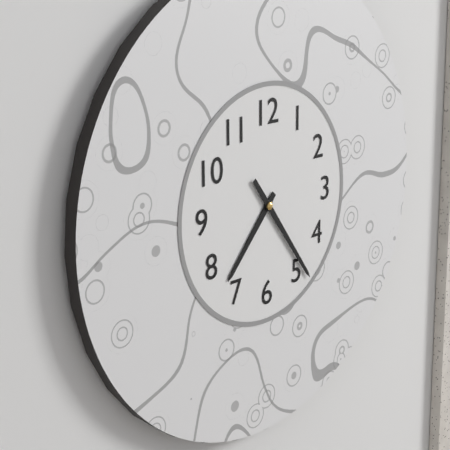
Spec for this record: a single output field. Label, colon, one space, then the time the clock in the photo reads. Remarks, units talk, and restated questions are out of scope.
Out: 7:24
